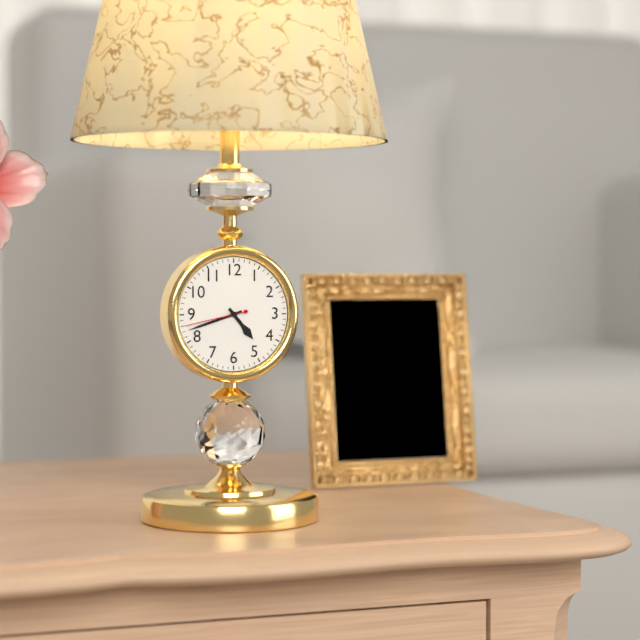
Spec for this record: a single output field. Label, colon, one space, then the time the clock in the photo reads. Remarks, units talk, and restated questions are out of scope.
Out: 4:42:43
